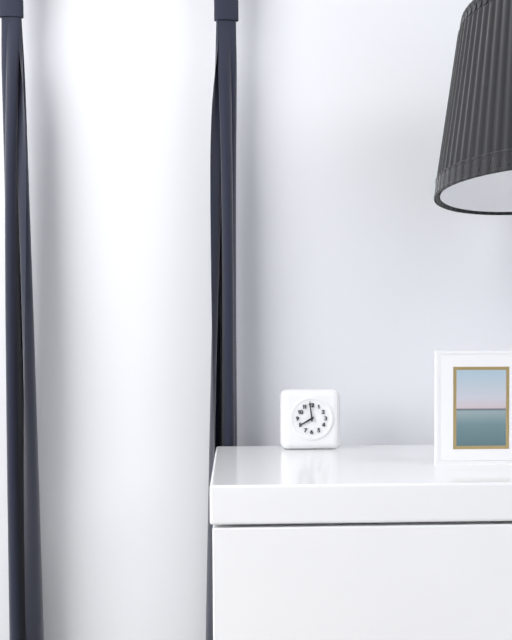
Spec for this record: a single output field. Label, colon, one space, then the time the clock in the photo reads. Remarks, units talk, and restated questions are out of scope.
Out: 7:59
